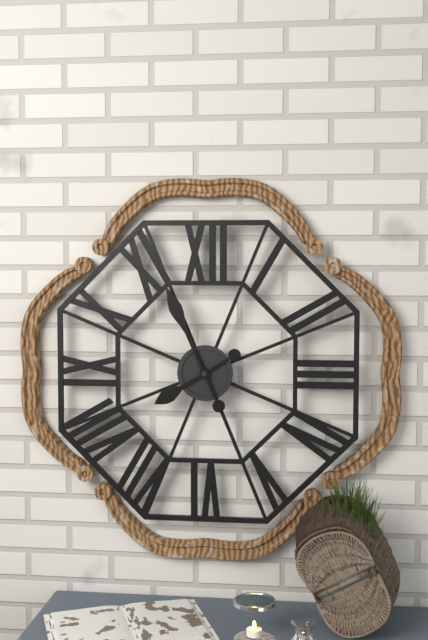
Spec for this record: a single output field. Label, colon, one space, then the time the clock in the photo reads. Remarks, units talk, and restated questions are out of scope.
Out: 7:56
